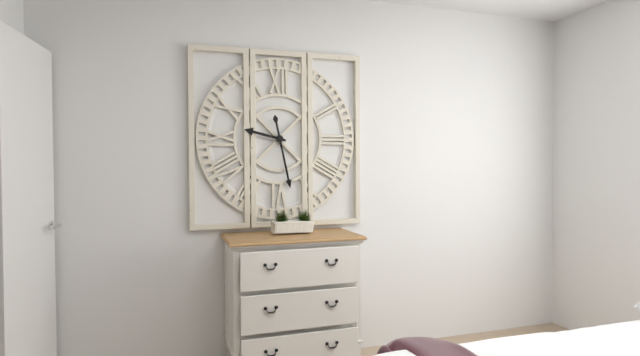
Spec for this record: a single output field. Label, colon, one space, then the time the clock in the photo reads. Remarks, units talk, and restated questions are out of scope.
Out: 9:28
